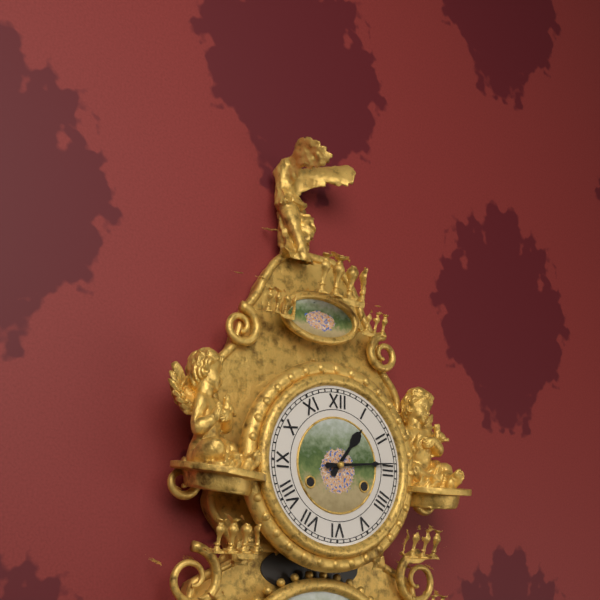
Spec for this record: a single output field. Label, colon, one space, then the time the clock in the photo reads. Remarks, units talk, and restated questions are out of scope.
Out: 1:14
